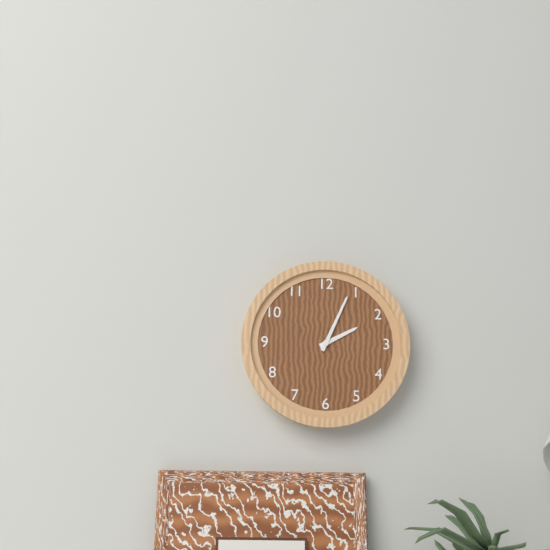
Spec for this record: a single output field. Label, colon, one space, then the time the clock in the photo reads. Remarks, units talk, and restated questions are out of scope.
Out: 2:04
